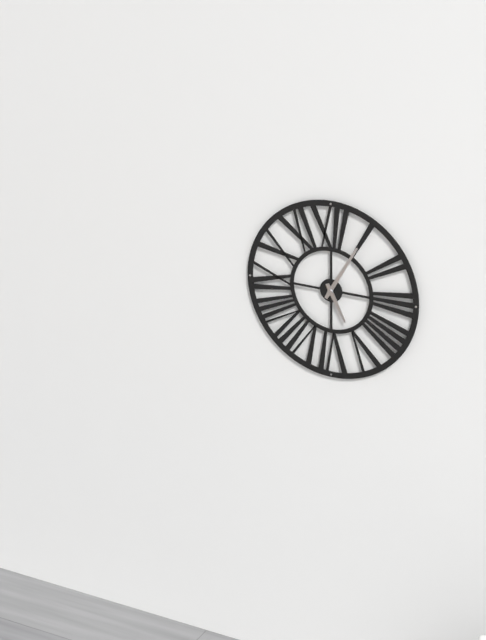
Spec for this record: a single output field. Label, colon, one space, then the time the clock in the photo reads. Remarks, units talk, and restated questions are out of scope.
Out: 5:05
